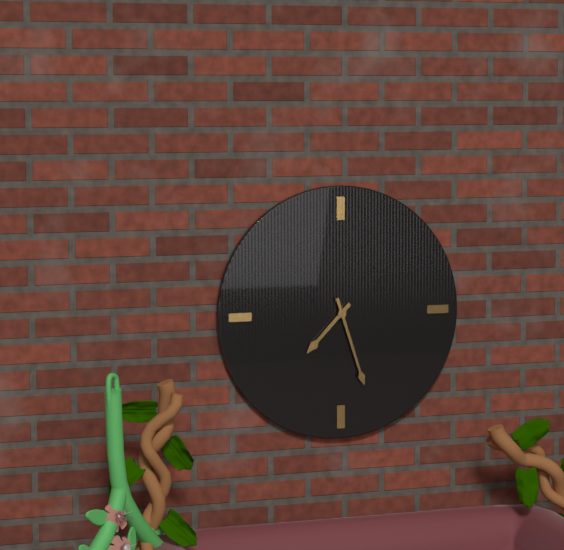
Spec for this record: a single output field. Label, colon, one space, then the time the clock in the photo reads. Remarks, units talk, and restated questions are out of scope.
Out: 7:27
